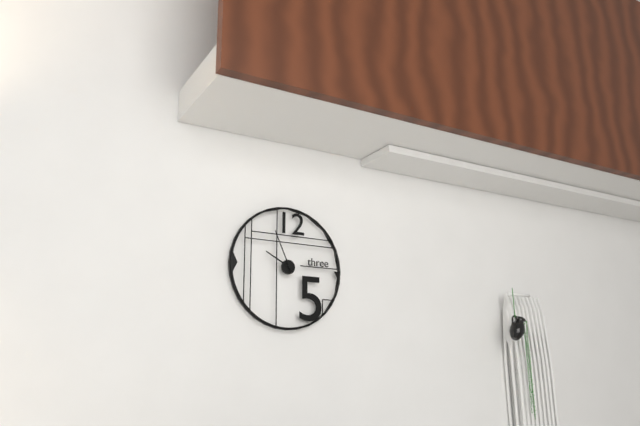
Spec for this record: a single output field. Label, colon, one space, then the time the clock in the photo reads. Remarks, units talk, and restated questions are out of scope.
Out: 9:56
